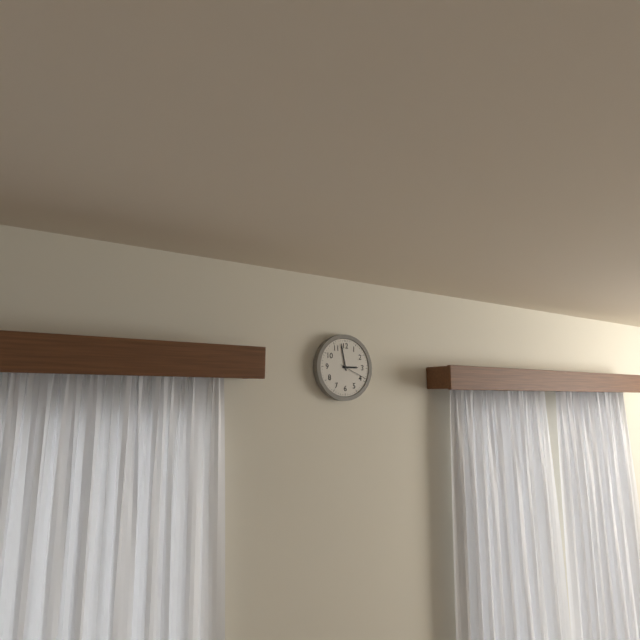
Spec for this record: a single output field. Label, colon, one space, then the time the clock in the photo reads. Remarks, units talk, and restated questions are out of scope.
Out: 2:58
